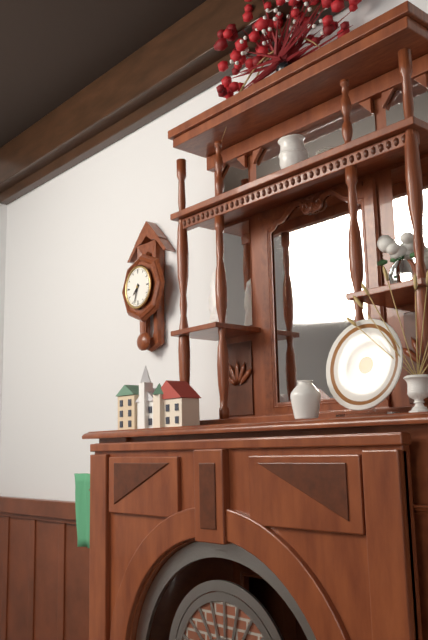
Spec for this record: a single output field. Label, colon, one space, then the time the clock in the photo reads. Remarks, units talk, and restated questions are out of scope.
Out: 7:33
